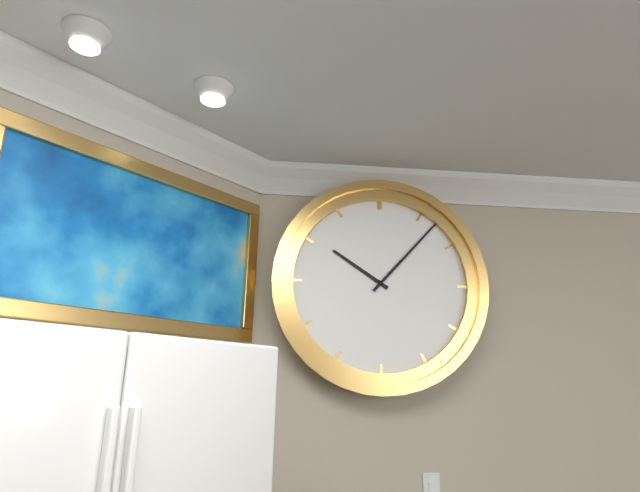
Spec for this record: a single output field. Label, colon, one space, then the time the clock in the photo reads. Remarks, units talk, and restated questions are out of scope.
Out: 10:07
